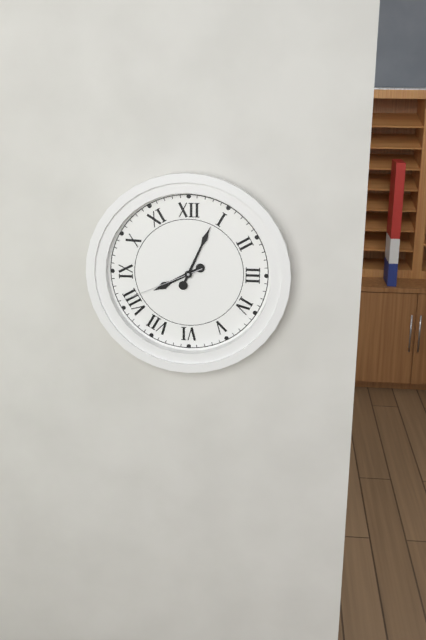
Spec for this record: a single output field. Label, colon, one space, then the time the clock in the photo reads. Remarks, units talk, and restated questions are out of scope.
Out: 8:04:41
